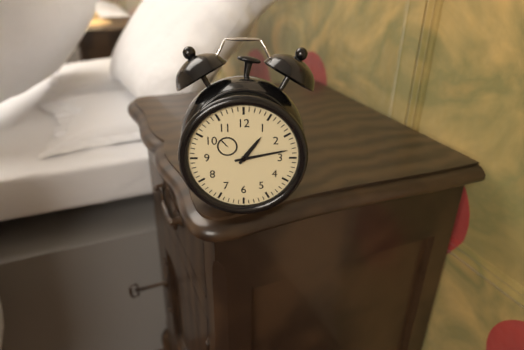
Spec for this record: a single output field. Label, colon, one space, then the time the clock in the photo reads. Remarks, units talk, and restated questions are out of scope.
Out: 1:13
